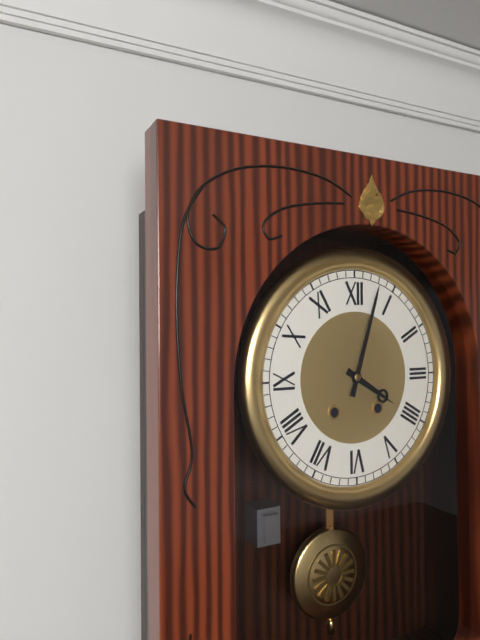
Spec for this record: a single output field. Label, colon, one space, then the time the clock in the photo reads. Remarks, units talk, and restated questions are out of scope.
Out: 4:03
